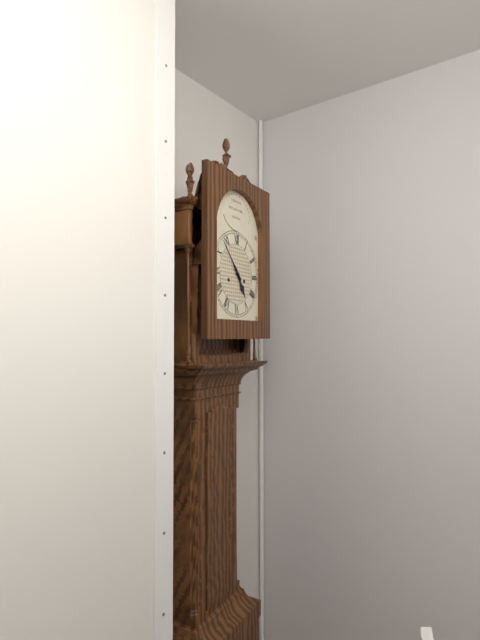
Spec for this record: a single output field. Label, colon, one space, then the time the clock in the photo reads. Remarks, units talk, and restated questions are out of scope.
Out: 4:53
